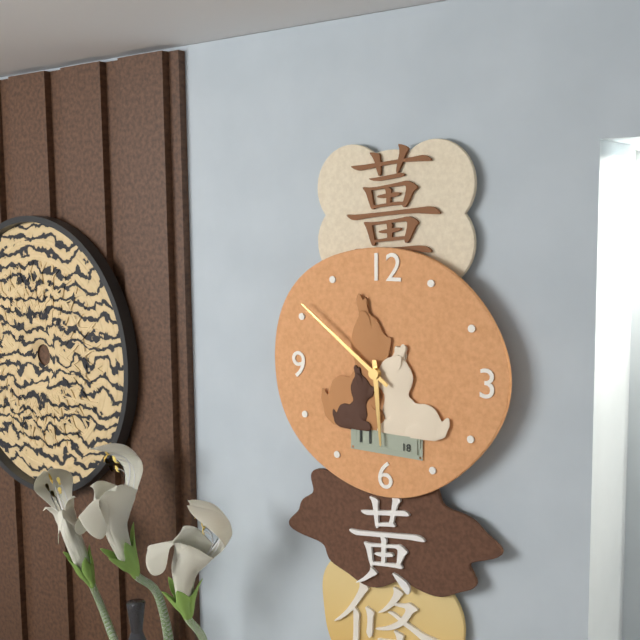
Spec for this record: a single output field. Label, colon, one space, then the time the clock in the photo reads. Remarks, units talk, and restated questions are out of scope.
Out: 5:51
